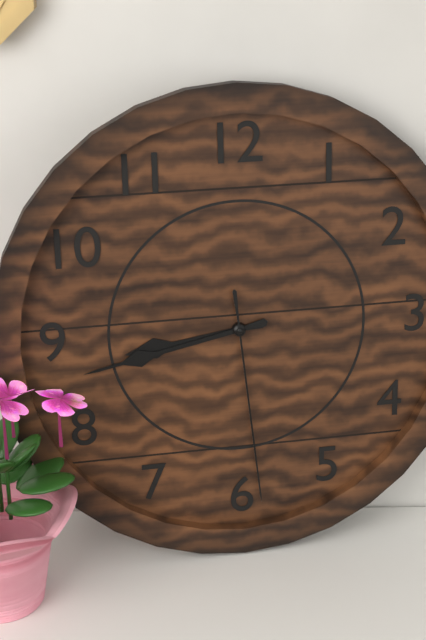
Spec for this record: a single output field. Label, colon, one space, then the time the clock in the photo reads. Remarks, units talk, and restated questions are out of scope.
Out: 8:43:29
